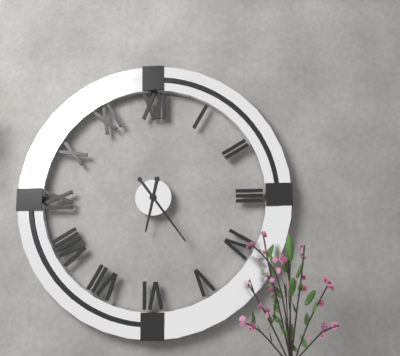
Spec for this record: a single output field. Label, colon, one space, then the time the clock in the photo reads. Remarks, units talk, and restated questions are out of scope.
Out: 6:24
